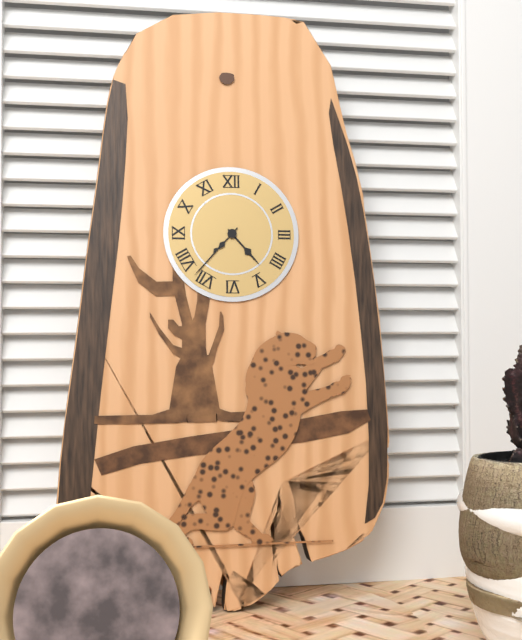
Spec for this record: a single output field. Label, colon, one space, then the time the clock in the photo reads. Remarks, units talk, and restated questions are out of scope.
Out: 4:37
